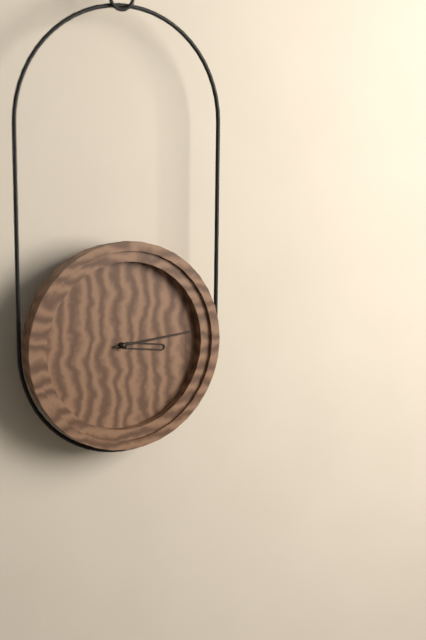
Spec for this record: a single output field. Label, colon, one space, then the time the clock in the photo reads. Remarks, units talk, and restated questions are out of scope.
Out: 3:14
